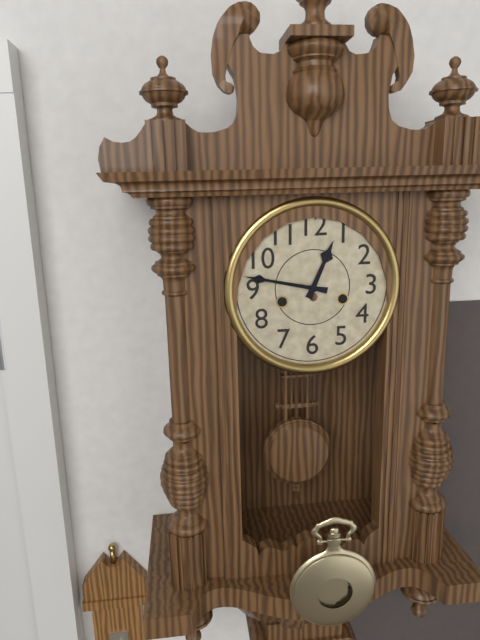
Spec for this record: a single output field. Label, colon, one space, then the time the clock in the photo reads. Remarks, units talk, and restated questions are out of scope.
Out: 12:47
